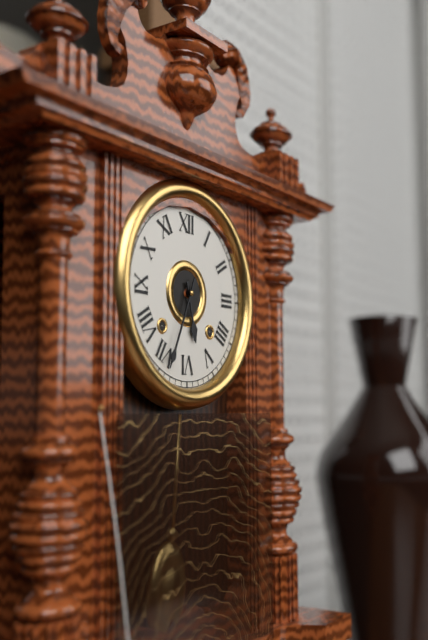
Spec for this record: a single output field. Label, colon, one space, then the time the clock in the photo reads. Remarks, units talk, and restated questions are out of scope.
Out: 5:34
